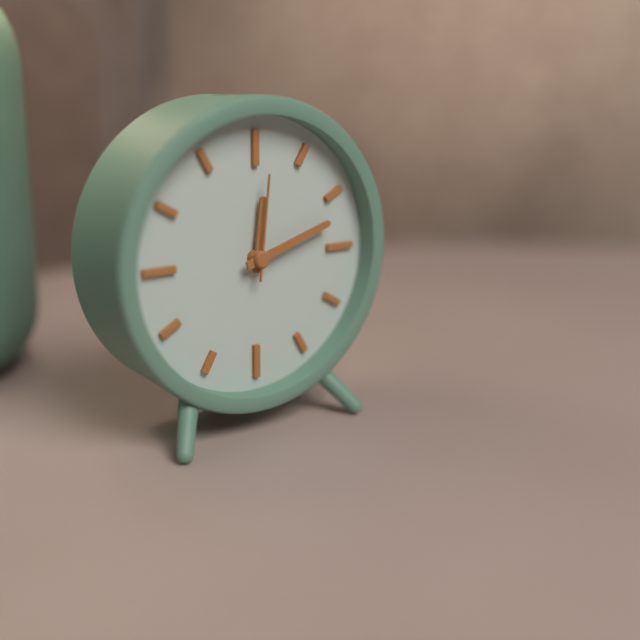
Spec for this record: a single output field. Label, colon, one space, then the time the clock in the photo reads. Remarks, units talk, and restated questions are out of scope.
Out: 12:12:01
